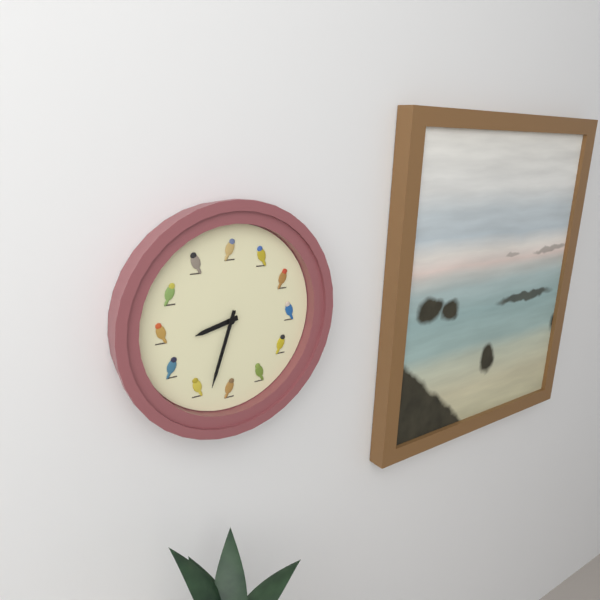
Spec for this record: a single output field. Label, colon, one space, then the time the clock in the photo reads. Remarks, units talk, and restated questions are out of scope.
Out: 8:33
